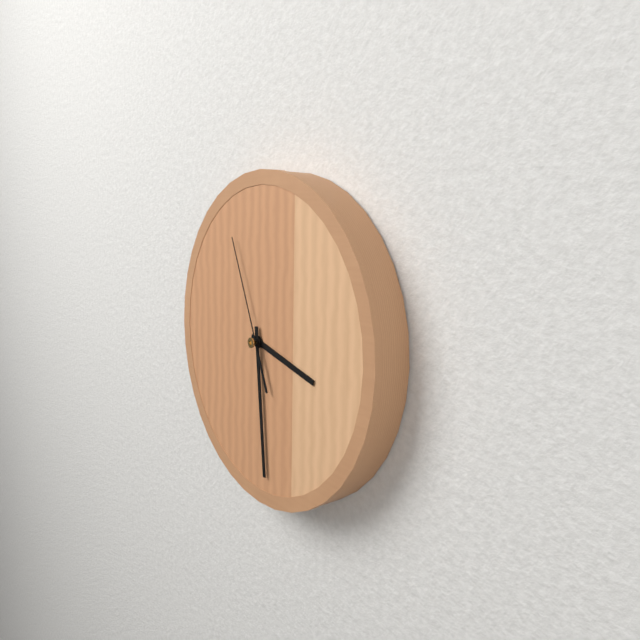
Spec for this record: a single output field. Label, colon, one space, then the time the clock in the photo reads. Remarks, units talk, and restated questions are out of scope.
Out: 3:29:56
